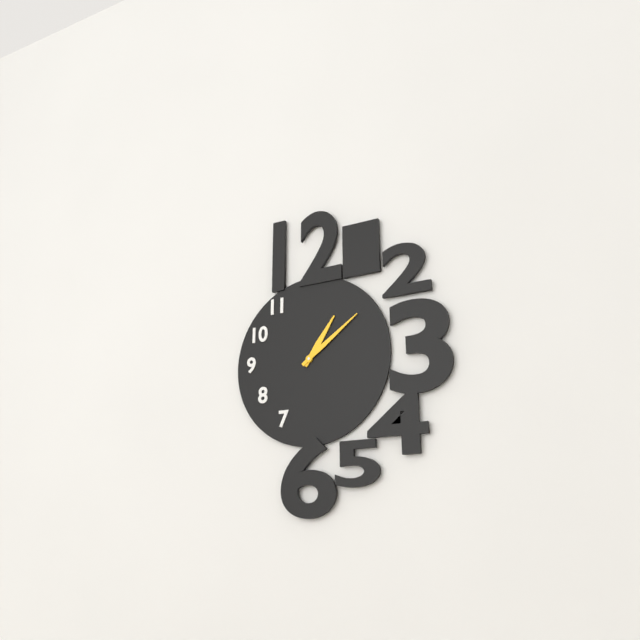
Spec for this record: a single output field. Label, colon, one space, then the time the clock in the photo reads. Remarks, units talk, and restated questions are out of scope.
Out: 1:09
